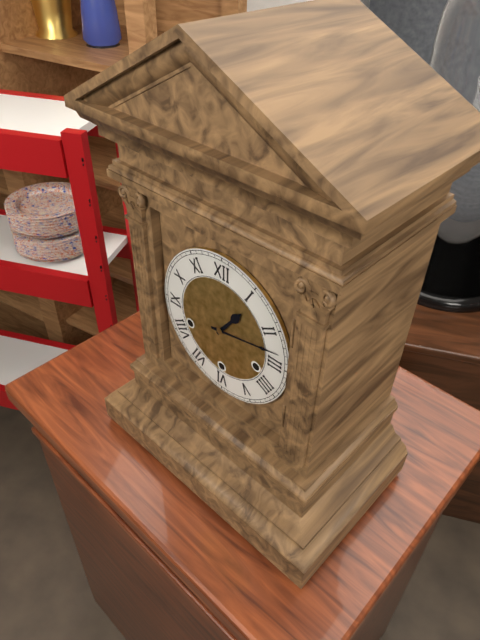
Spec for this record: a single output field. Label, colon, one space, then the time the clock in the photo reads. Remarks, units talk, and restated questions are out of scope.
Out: 1:13
